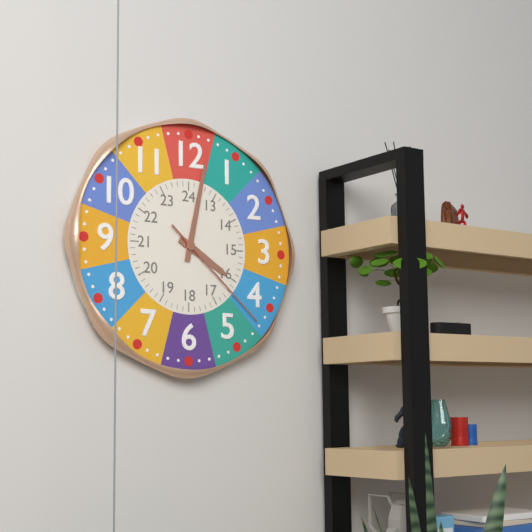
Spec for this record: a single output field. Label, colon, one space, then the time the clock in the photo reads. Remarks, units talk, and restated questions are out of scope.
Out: 4:02:22
